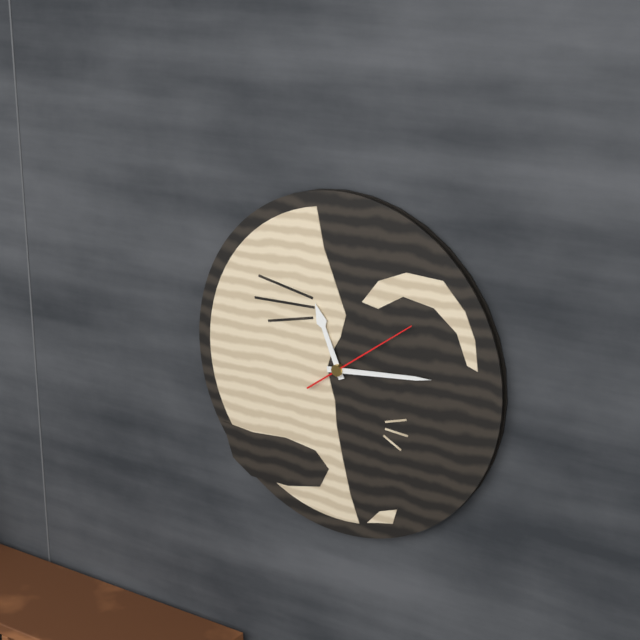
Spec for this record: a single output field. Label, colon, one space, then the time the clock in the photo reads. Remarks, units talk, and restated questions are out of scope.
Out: 11:14:09
